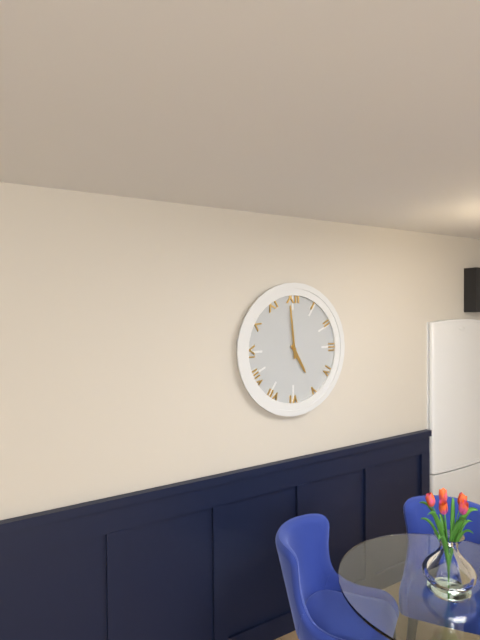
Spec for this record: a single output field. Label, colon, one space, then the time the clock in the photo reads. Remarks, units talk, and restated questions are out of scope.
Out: 4:59
